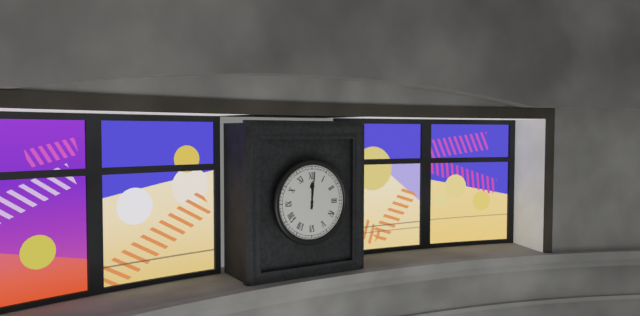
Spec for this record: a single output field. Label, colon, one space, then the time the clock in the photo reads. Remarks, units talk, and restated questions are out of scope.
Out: 12:01
